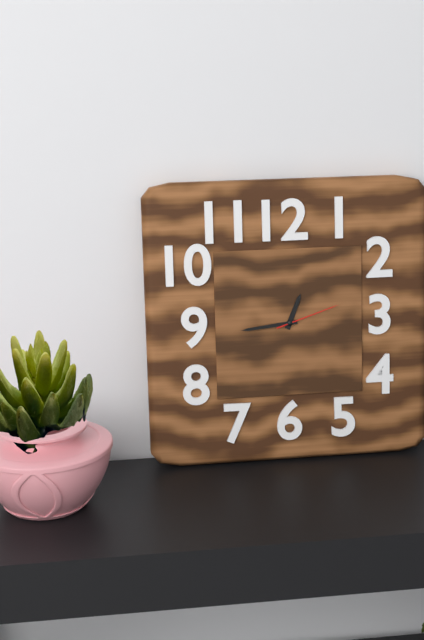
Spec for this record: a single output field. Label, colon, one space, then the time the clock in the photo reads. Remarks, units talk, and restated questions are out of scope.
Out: 12:44:12
